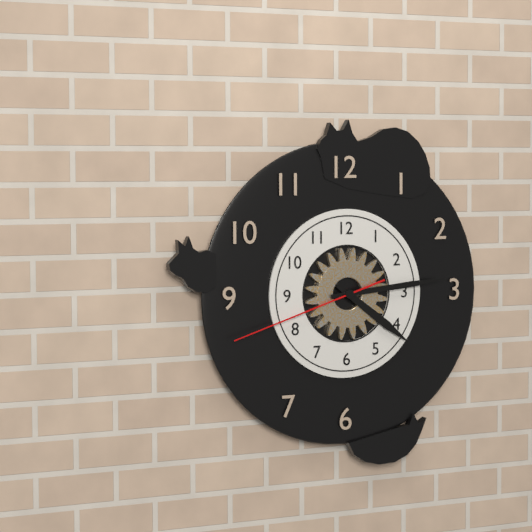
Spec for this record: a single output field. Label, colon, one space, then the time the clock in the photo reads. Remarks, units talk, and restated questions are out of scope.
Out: 4:14:42
